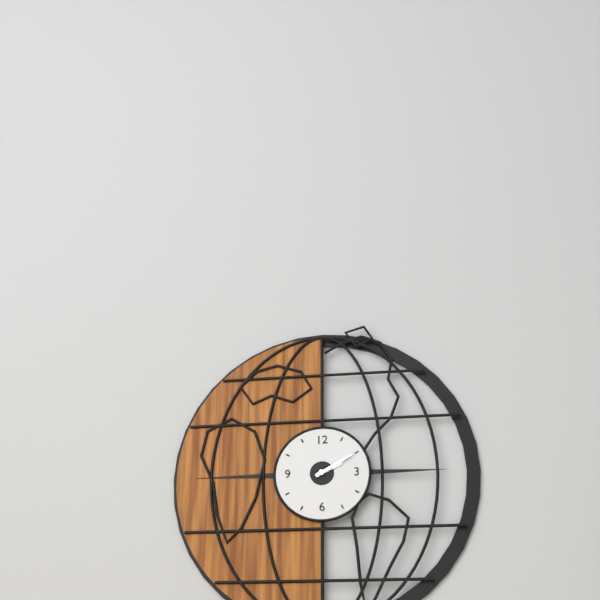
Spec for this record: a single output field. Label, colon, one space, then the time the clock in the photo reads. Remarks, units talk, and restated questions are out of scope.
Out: 2:10
